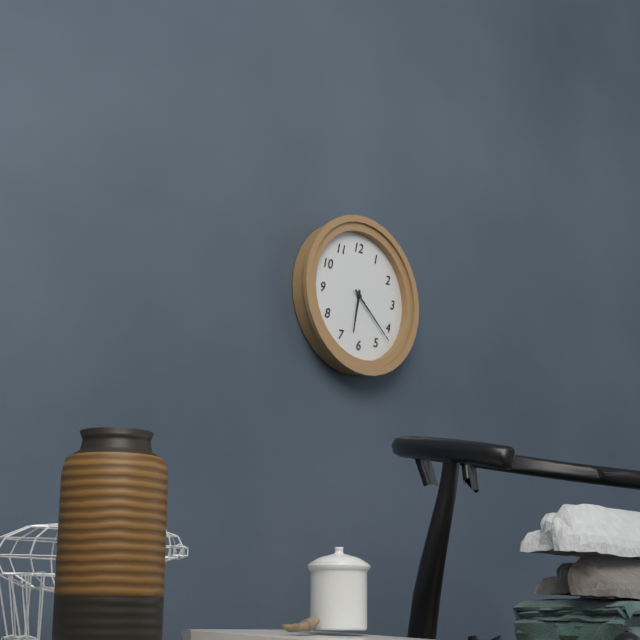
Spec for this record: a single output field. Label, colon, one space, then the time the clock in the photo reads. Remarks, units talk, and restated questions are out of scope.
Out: 6:22
